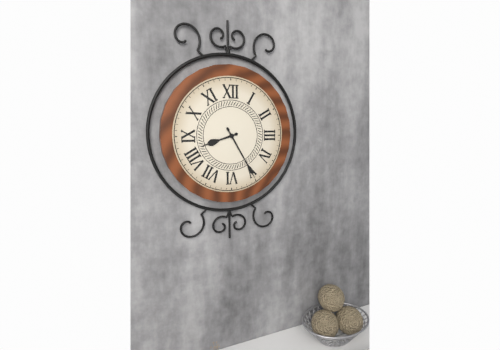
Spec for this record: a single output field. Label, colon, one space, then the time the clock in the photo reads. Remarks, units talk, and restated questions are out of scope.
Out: 8:25
